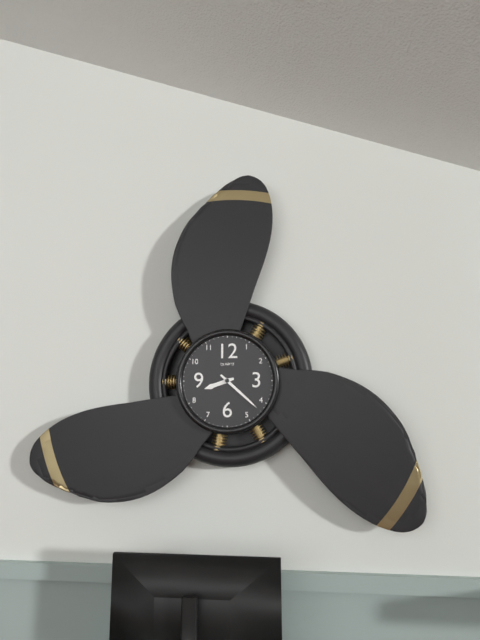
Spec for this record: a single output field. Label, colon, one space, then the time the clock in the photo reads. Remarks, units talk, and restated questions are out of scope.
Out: 8:22
